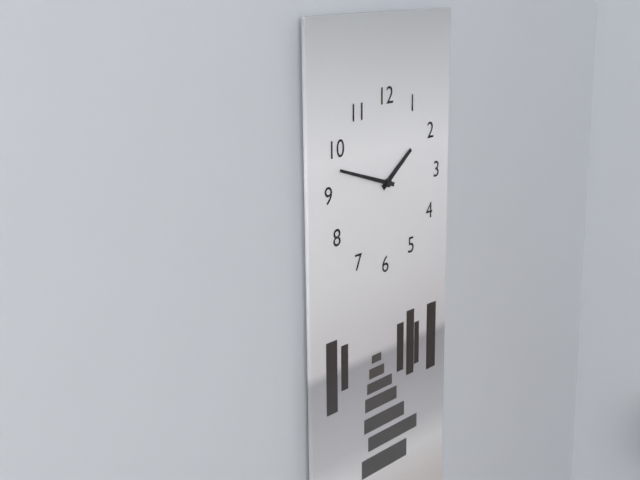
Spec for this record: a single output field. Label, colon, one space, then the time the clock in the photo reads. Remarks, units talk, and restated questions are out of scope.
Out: 1:48
